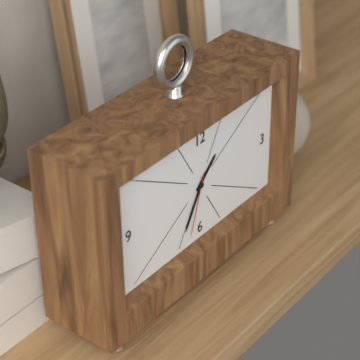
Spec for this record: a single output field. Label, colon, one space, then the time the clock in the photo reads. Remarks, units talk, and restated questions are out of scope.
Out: 1:35:33
